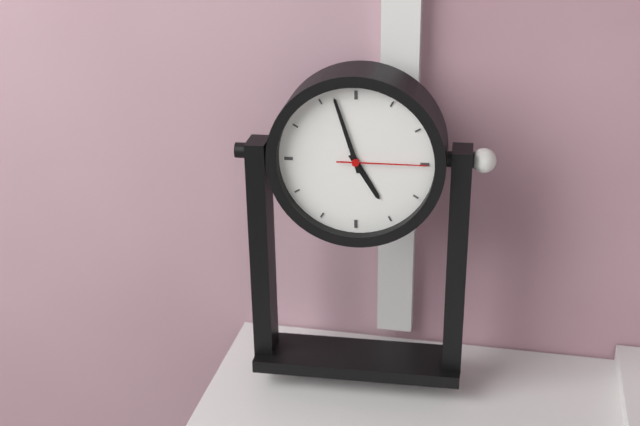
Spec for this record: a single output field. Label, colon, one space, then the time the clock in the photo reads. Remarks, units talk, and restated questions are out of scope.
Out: 4:57:15
